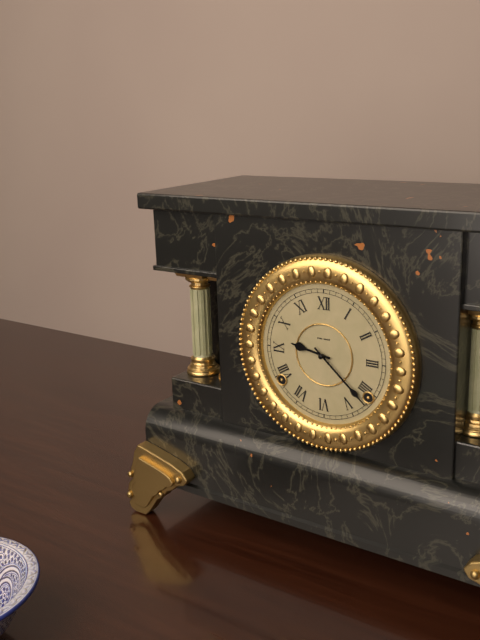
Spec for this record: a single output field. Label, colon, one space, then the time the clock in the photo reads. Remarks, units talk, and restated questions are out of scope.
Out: 9:22
